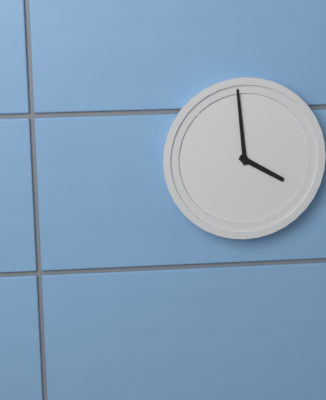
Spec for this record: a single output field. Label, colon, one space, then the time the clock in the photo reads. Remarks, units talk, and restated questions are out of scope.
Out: 3:59
